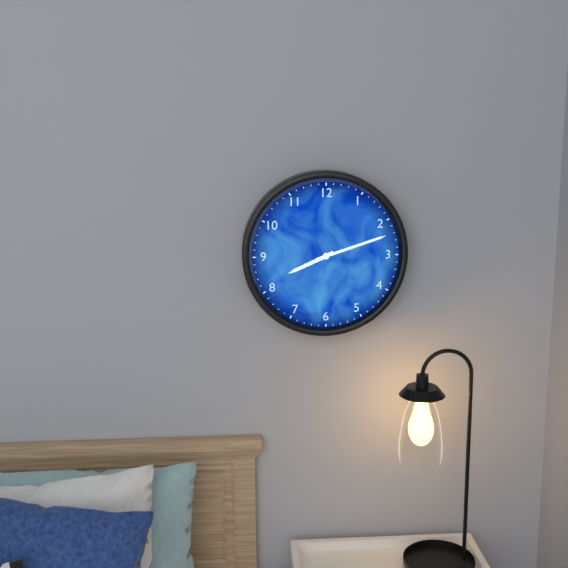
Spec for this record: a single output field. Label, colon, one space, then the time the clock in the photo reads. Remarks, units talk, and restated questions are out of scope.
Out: 8:12
